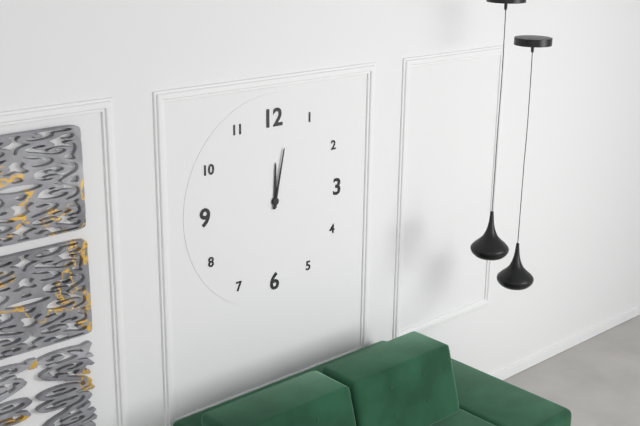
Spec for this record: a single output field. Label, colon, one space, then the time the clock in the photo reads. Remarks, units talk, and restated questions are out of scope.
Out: 12:02
